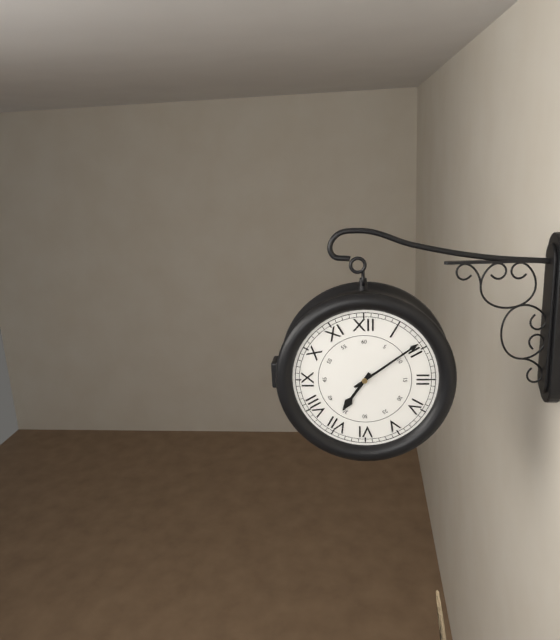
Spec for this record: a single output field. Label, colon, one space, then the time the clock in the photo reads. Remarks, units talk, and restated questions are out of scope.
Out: 7:09
